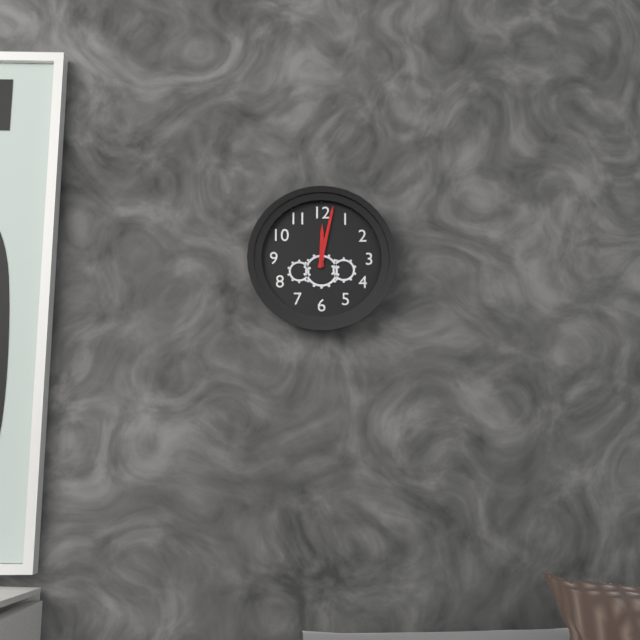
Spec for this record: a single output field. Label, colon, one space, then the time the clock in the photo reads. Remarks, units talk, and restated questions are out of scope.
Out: 12:02
